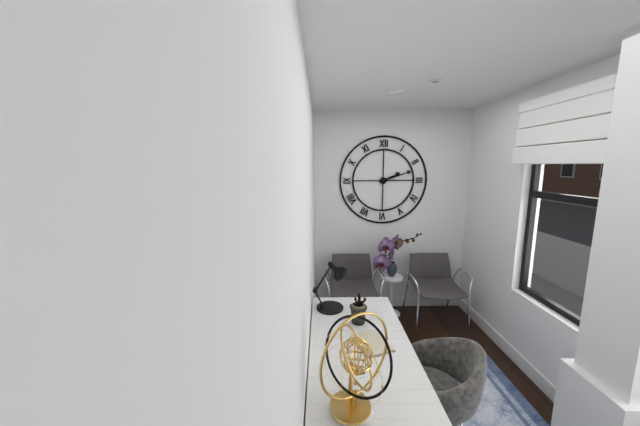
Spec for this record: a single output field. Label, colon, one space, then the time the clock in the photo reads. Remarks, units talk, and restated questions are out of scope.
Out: 2:12
